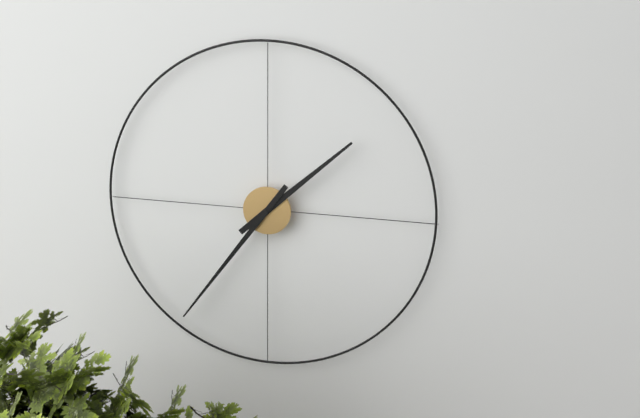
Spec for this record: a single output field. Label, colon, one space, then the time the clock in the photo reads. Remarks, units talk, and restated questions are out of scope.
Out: 1:36
